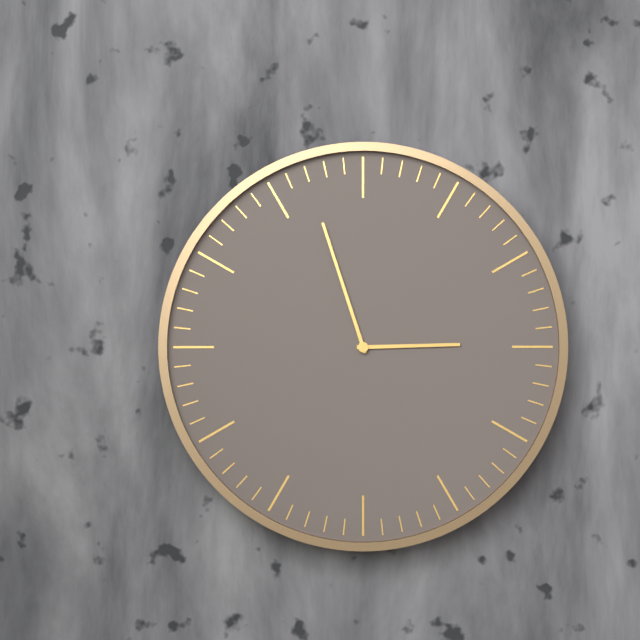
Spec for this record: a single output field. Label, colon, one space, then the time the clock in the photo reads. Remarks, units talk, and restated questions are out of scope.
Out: 2:57
